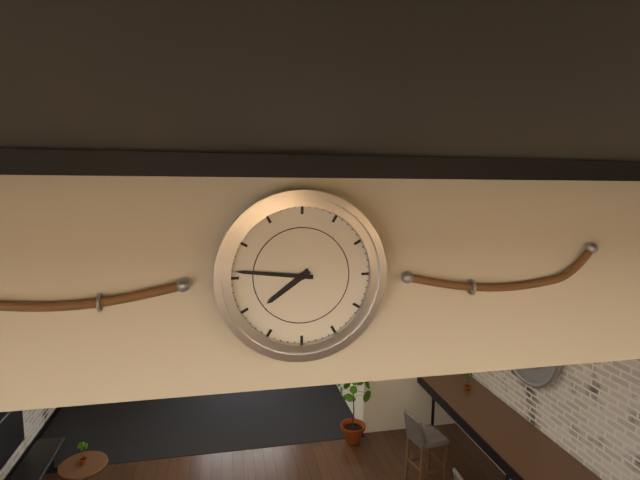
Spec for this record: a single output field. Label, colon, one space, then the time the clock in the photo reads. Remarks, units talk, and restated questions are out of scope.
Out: 7:46
